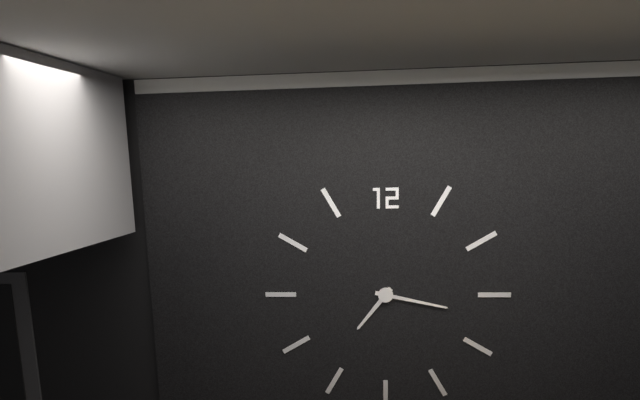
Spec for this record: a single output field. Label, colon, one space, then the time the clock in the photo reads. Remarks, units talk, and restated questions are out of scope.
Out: 7:17
